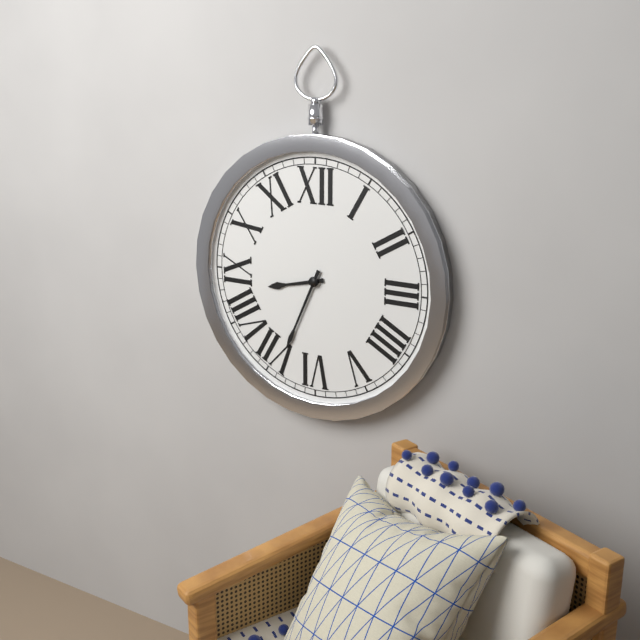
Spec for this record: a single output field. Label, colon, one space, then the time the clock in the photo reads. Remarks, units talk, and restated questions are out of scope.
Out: 8:34
